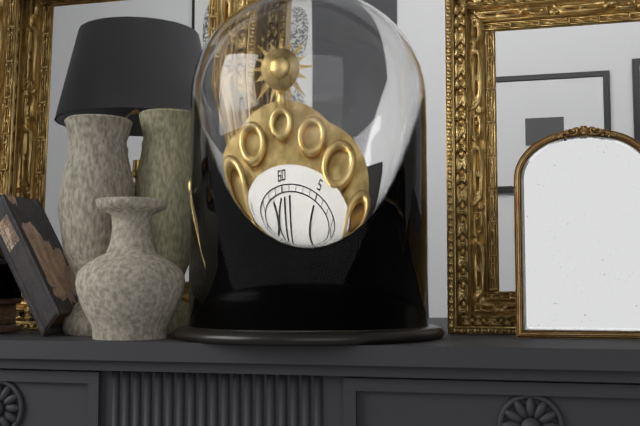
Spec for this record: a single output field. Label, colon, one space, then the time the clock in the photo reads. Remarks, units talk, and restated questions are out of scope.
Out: 1:41
